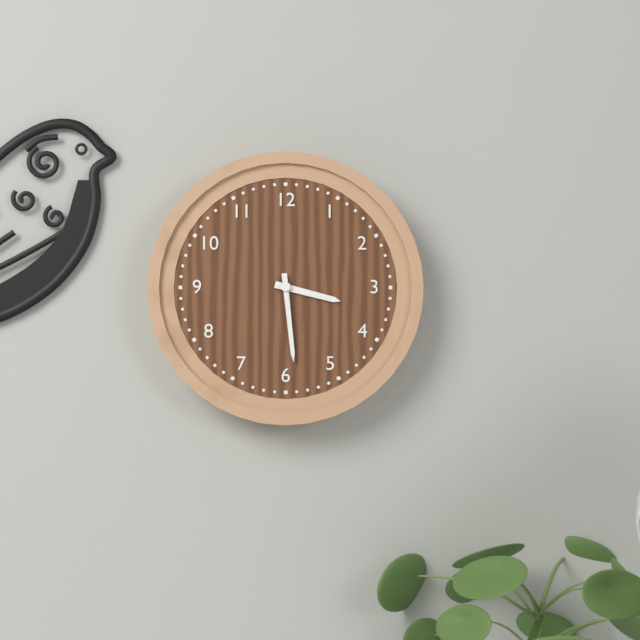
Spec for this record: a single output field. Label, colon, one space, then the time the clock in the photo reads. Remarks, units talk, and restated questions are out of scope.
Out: 3:29
